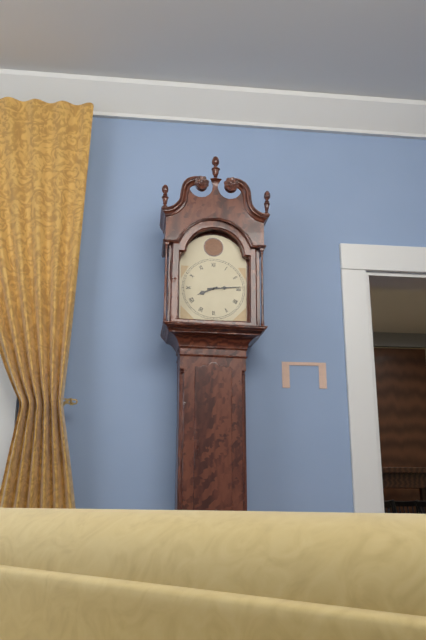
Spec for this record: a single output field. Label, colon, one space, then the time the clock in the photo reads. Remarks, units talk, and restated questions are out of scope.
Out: 8:14
